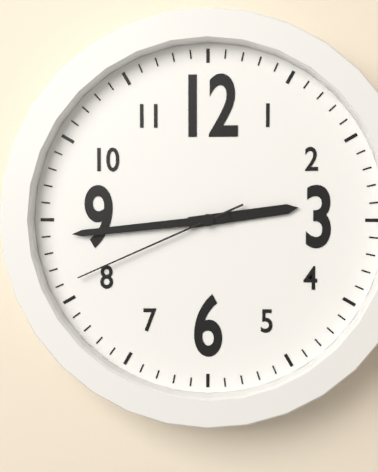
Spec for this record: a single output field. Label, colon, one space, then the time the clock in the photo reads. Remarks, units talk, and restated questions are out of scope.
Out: 2:44:41
